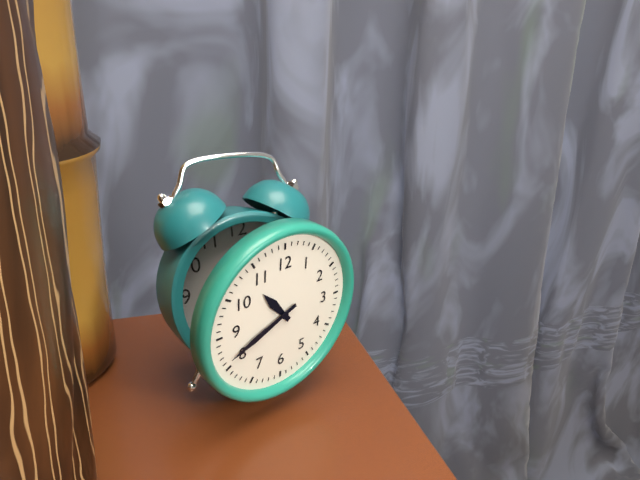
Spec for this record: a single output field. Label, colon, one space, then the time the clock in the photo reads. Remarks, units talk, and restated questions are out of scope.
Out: 10:41
